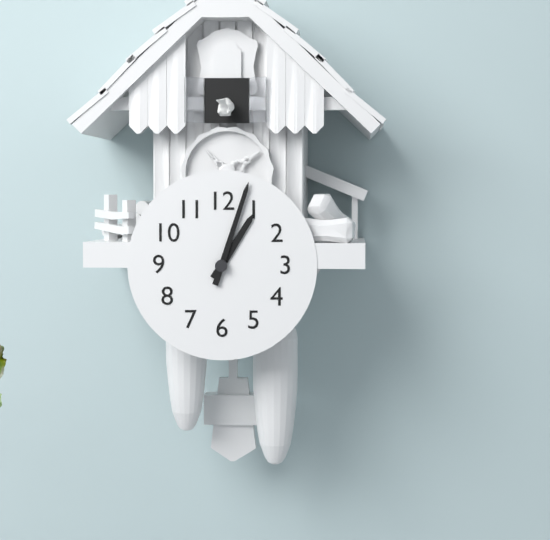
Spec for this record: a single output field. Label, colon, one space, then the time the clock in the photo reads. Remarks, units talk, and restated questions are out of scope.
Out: 1:03
